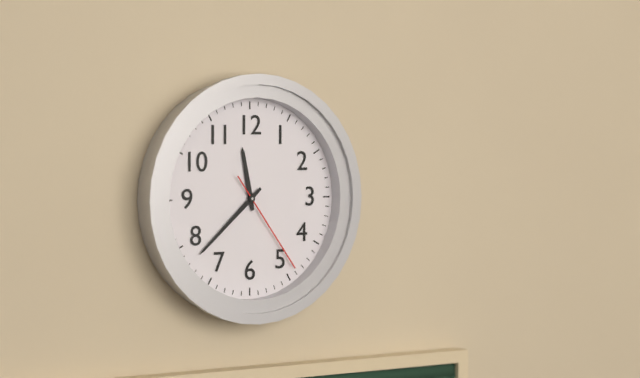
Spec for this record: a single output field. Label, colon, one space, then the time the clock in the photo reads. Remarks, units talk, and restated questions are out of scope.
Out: 11:38:24
